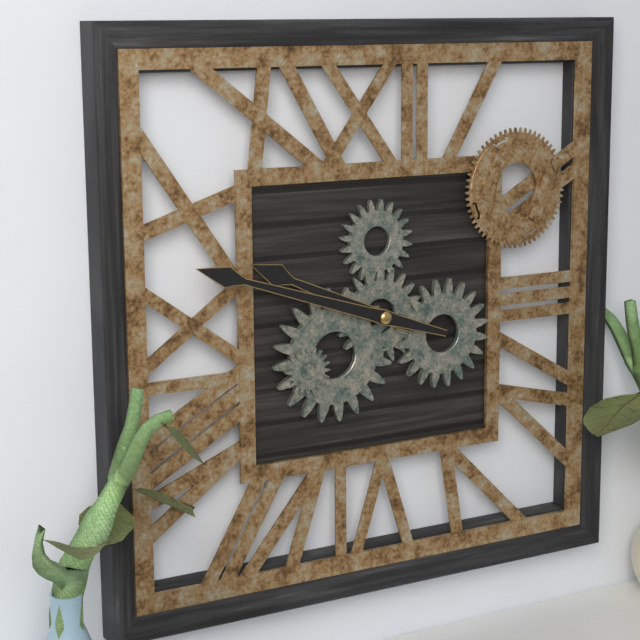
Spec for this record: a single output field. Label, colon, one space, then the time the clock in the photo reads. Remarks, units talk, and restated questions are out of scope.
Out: 9:48
